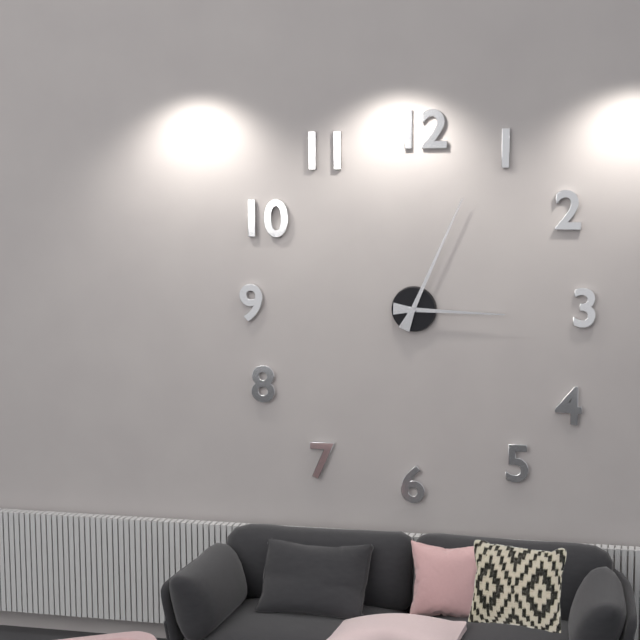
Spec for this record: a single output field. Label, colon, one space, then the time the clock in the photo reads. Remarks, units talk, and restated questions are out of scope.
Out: 3:04
